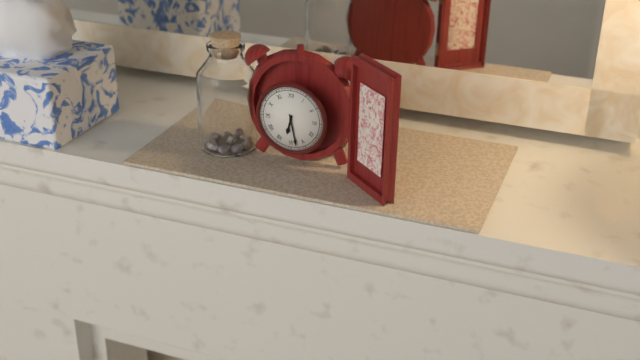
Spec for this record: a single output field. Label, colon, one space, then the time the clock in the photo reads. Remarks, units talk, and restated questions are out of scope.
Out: 6:28
